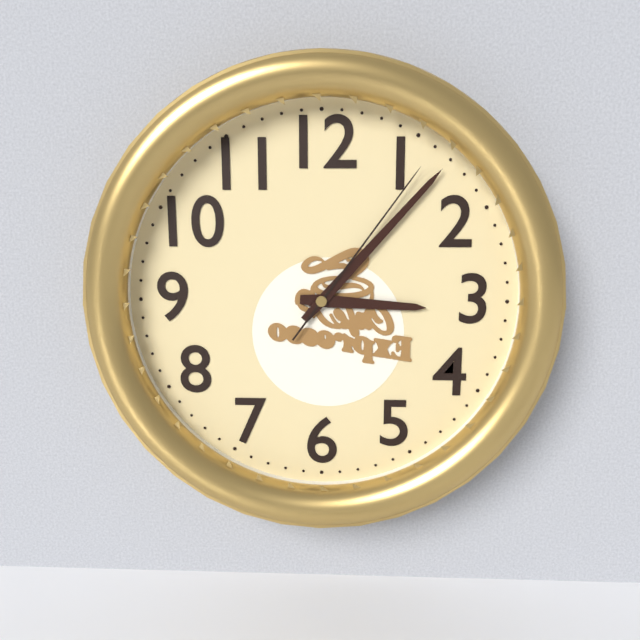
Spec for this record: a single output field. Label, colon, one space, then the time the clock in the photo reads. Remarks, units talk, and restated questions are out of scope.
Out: 3:07:06
